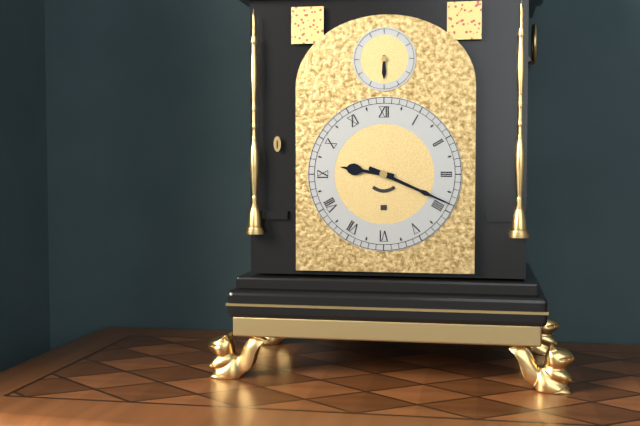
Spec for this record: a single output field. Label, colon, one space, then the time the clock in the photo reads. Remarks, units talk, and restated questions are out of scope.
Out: 9:19
